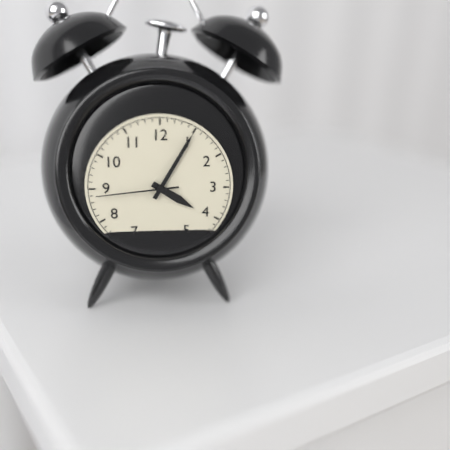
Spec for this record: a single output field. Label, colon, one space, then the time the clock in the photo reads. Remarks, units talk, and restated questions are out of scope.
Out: 4:05:44
